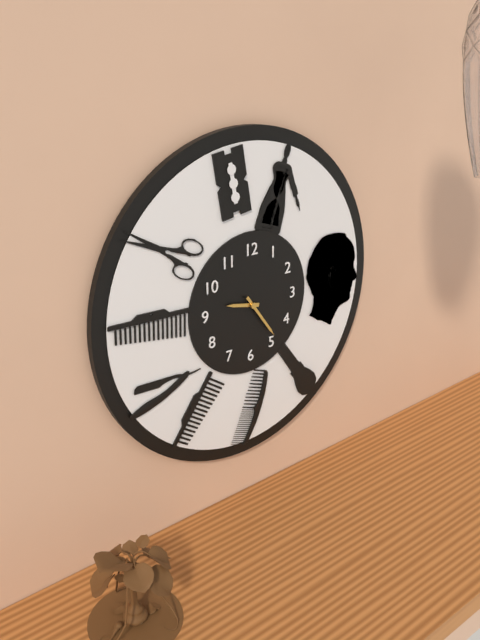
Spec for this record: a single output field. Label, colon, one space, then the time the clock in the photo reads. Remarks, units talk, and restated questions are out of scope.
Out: 9:24
